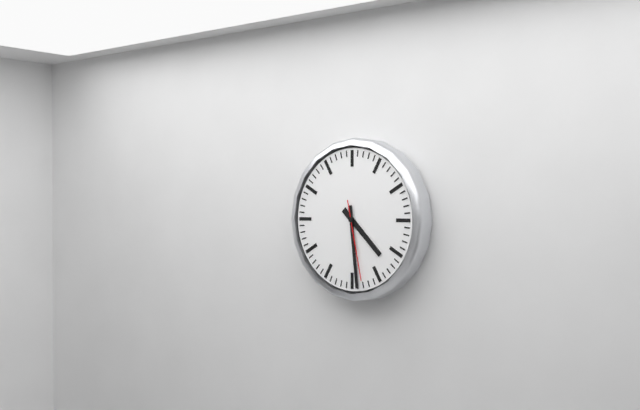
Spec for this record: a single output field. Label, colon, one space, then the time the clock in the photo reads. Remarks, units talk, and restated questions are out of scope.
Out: 4:29:28
